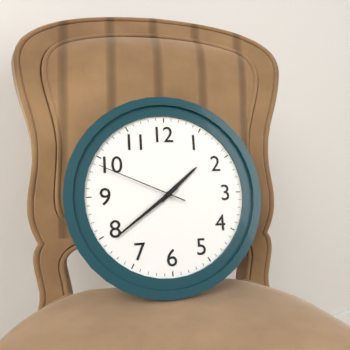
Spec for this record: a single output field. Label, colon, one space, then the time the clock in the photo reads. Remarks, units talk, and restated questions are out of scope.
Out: 1:39:49
